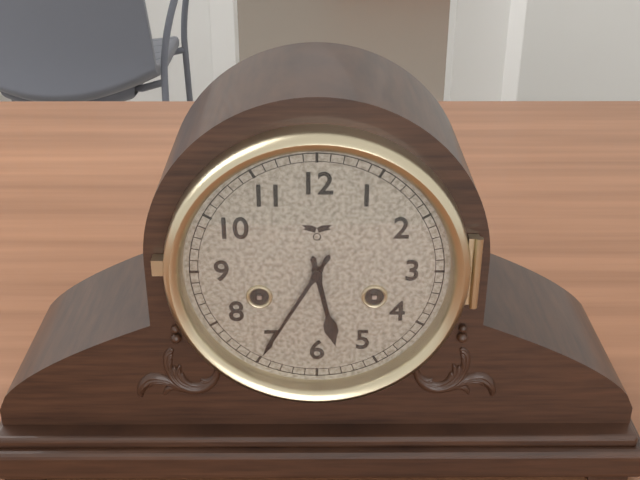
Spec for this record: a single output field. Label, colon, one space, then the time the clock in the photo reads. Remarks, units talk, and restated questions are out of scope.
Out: 5:35
